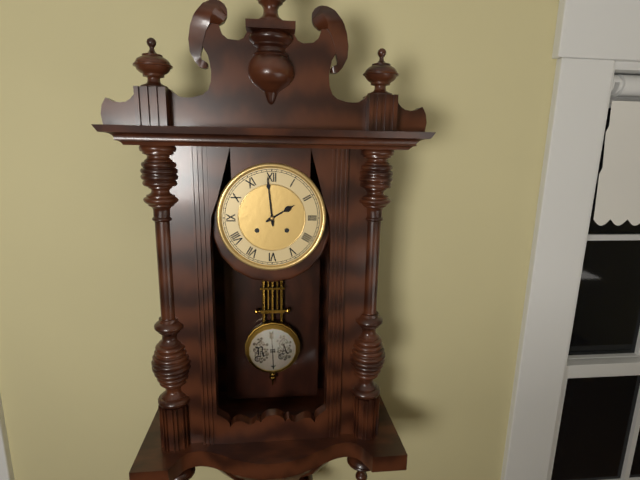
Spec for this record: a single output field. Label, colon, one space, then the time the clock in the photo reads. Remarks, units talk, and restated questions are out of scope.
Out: 1:59
